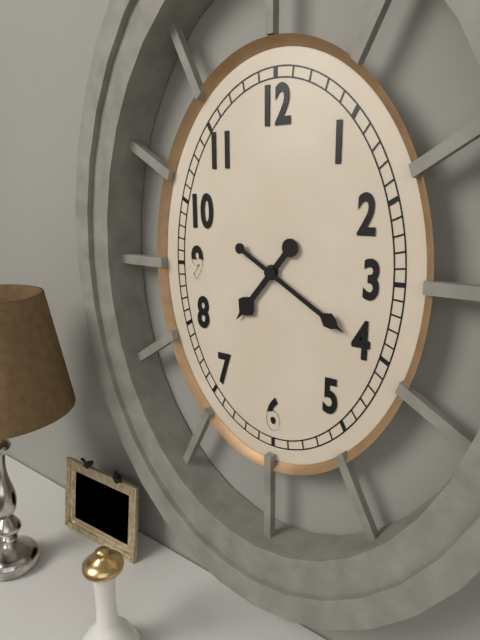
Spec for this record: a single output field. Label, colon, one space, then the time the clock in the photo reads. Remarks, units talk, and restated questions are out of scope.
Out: 7:20
